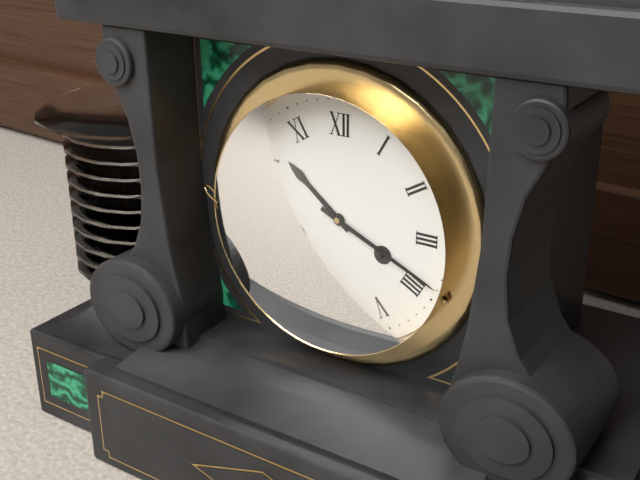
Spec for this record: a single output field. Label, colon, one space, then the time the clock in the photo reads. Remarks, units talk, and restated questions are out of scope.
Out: 10:19
